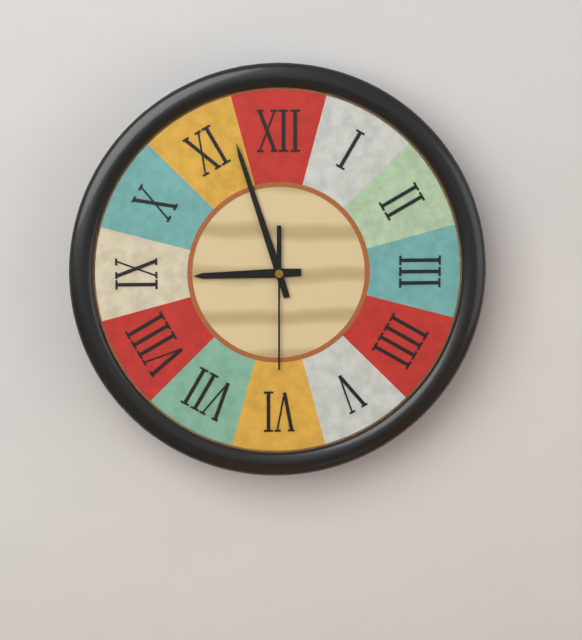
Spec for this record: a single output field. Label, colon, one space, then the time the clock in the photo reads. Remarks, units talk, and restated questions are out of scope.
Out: 8:57:30
